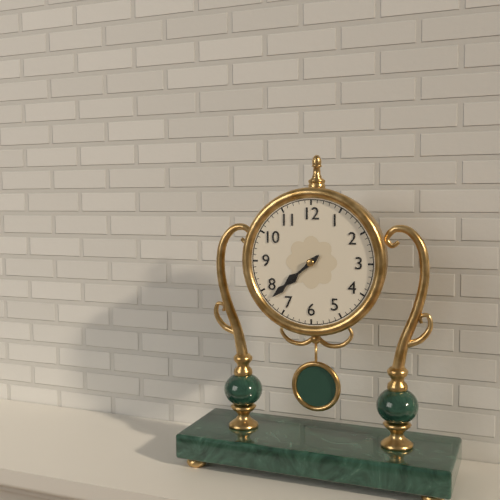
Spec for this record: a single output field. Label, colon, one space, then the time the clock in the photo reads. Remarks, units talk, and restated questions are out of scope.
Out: 7:38
